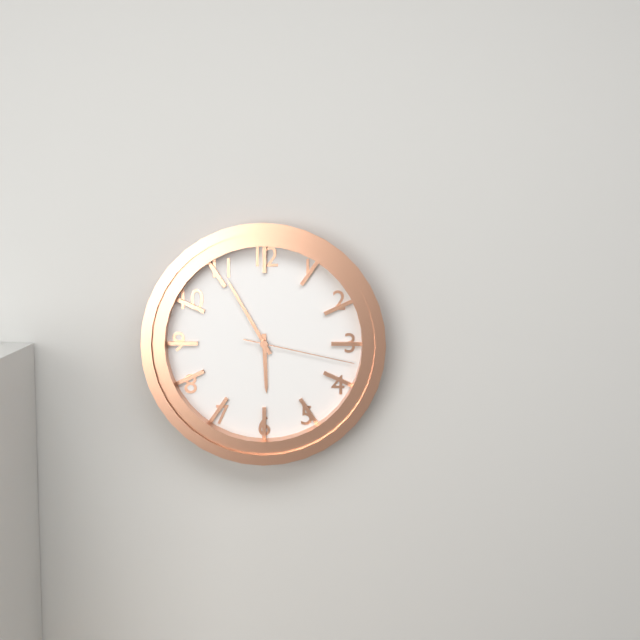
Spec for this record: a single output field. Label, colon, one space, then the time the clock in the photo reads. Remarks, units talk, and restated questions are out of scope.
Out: 5:55:17
